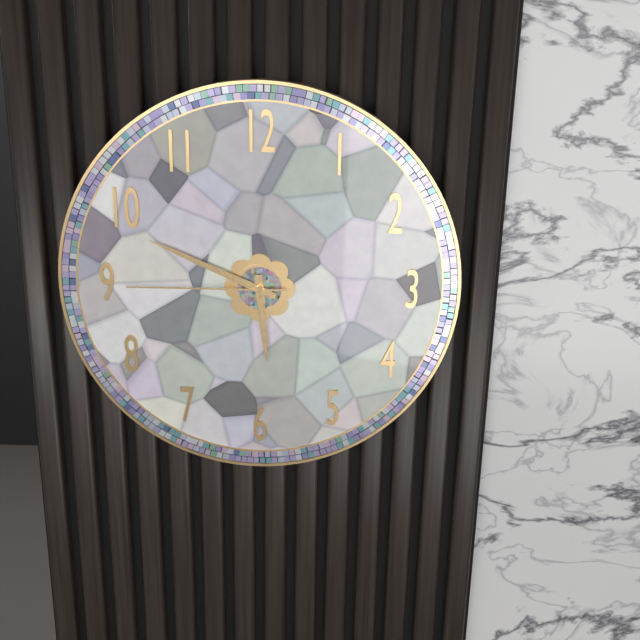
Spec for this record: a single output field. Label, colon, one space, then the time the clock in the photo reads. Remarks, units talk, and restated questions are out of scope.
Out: 5:49:45
